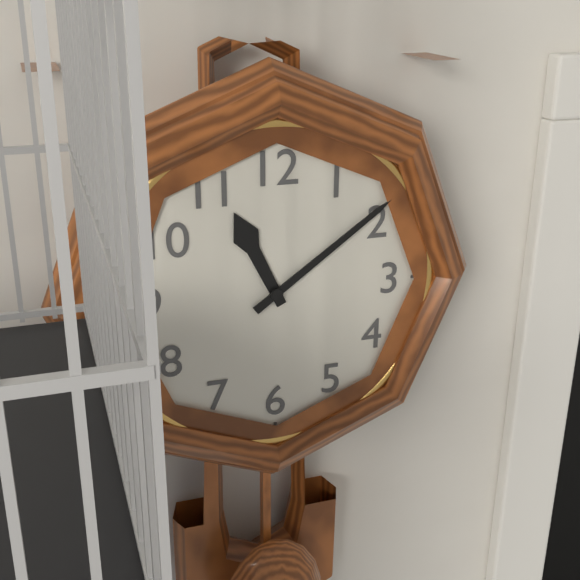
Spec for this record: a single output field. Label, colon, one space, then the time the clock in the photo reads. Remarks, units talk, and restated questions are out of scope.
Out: 11:09
